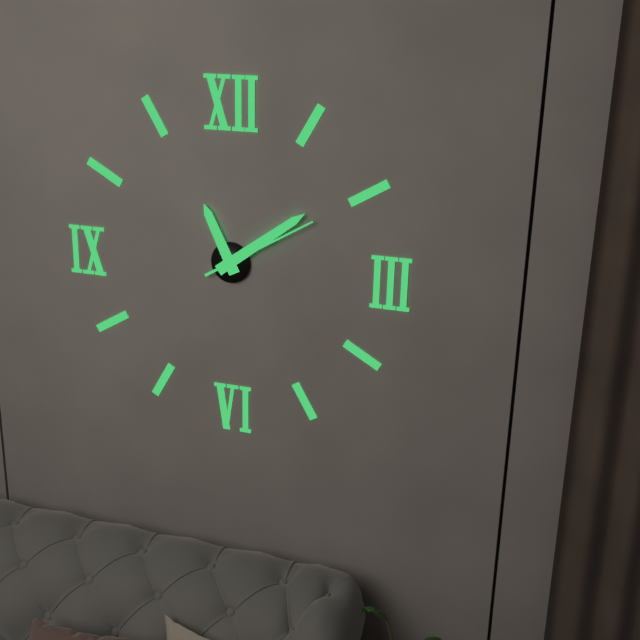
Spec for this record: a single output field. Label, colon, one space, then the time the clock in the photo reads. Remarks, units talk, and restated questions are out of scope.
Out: 11:09:10
